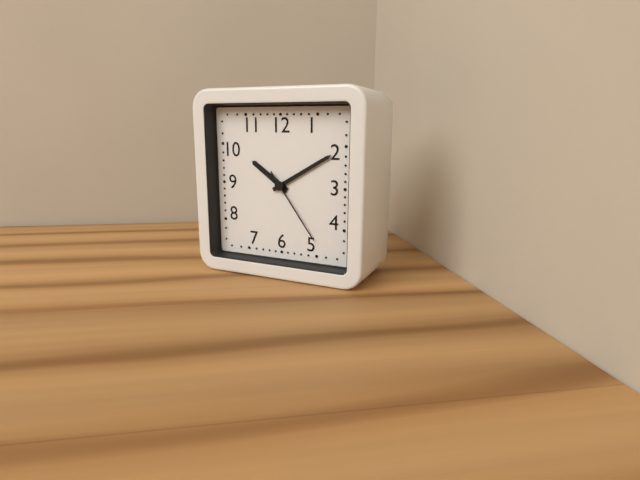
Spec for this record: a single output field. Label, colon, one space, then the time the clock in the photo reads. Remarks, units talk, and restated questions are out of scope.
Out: 10:10:24
